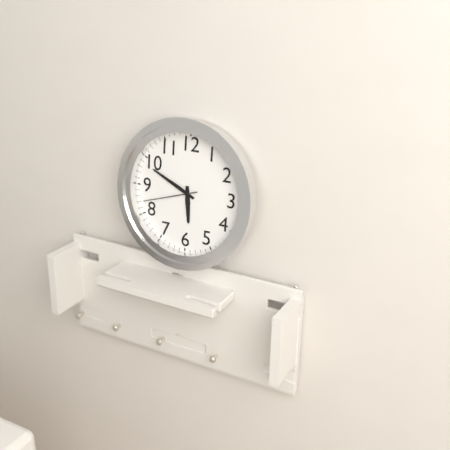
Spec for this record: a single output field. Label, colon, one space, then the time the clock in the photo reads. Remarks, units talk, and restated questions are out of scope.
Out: 5:49:42
